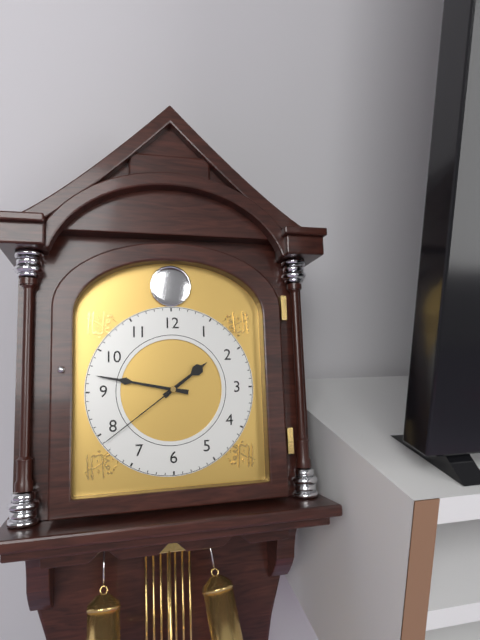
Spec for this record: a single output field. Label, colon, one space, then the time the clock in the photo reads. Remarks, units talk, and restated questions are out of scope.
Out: 1:47:39
